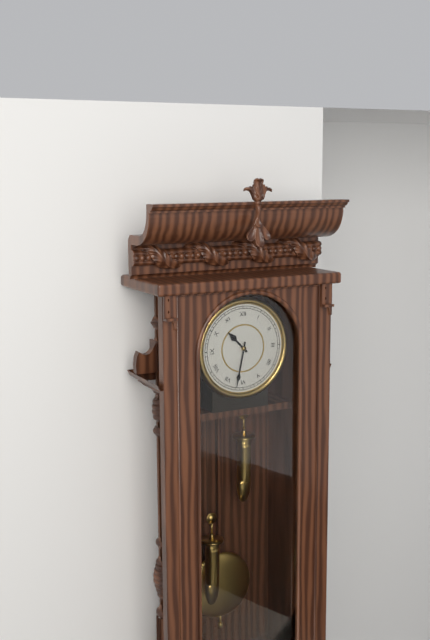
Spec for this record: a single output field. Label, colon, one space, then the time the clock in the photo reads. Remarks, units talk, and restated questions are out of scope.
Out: 10:32
